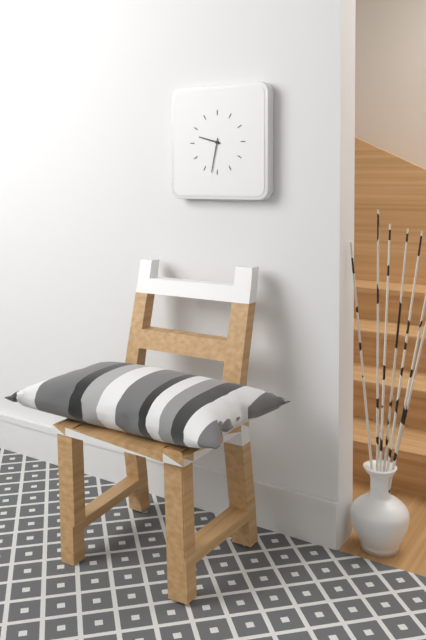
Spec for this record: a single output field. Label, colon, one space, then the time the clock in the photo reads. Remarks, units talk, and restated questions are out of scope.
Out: 9:32
